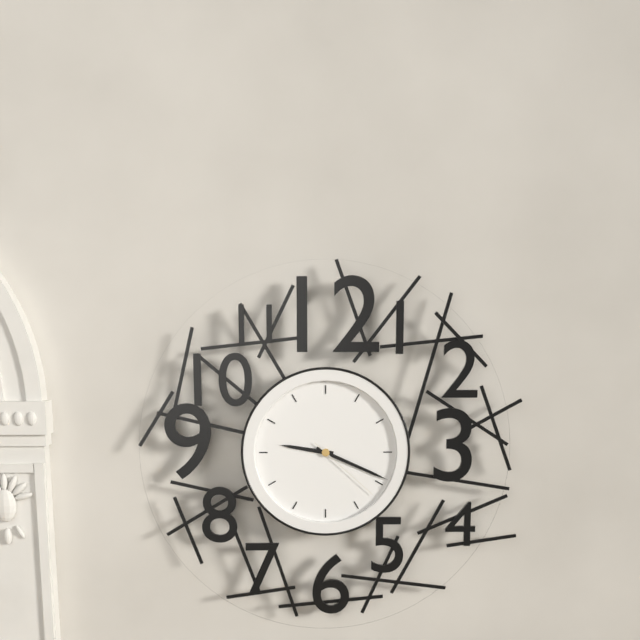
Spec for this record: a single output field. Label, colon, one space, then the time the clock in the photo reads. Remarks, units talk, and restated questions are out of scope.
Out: 9:19:22
